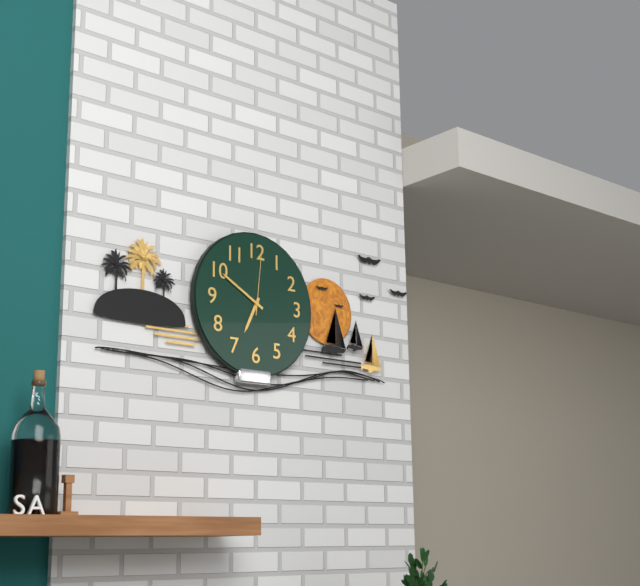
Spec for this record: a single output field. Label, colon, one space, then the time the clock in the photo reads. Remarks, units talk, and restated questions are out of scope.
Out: 6:50:01
